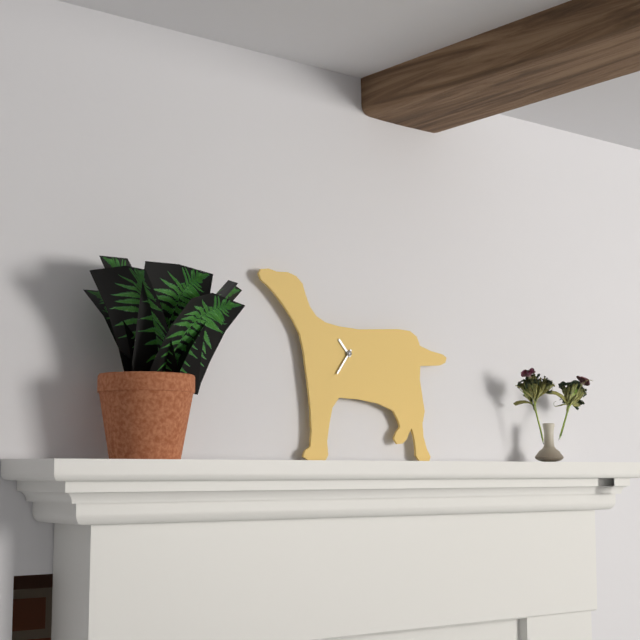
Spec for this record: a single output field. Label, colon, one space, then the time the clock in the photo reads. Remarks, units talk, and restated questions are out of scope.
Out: 10:36
